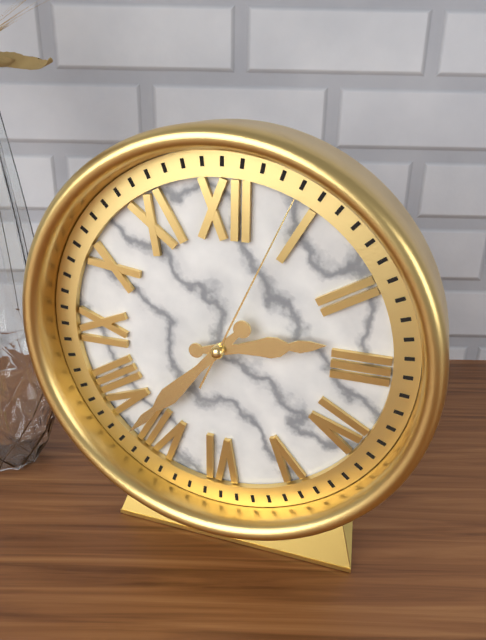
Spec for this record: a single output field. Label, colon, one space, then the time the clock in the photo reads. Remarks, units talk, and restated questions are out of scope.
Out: 2:37:04
